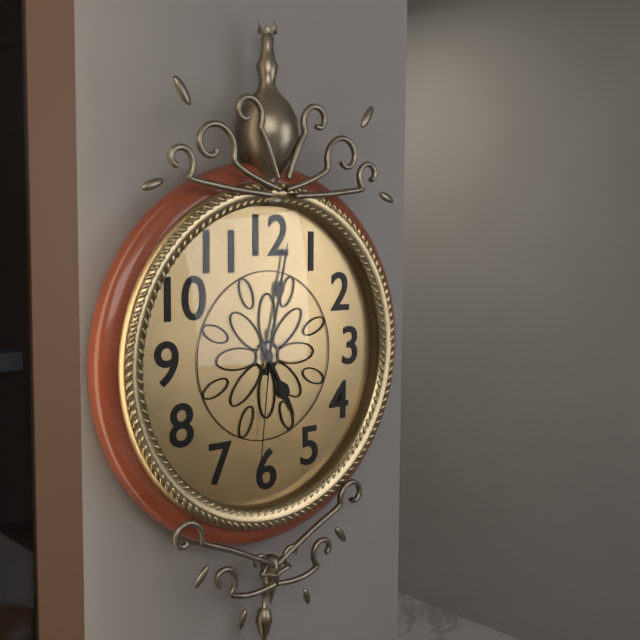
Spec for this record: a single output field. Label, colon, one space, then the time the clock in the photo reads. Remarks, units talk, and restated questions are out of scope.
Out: 5:02:31
